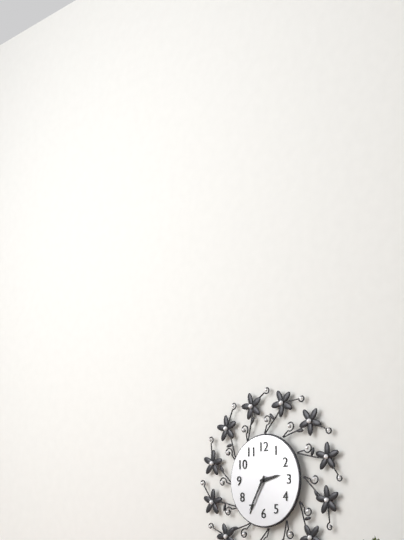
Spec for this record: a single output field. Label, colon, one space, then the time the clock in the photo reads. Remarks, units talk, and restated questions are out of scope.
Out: 2:35
